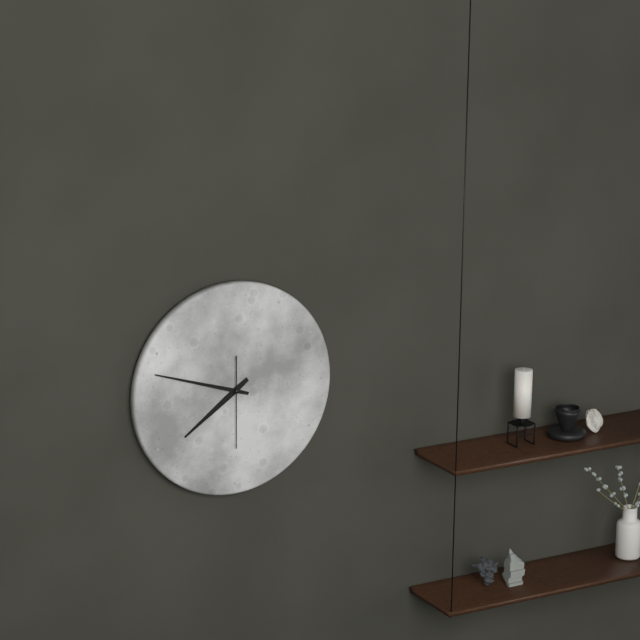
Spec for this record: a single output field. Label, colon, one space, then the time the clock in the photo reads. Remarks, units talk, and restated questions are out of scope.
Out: 7:48:30
